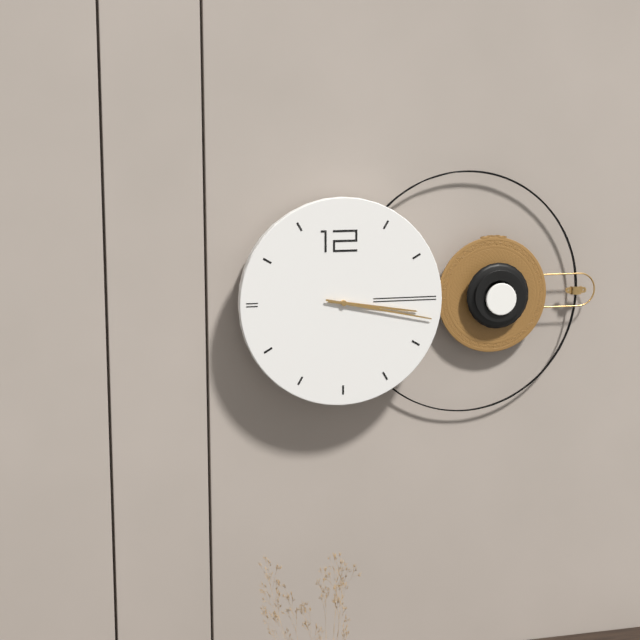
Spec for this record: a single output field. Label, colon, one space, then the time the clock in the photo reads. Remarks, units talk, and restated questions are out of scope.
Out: 3:17
